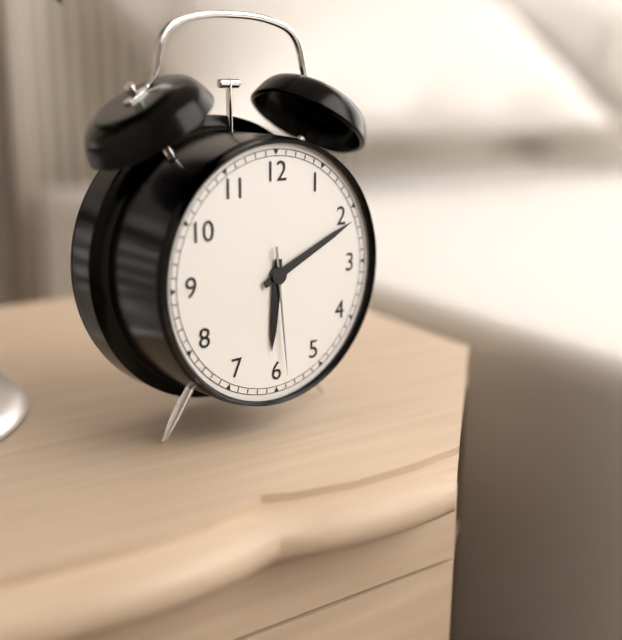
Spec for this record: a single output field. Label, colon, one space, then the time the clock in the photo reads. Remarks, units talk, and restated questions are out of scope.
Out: 6:11:29
